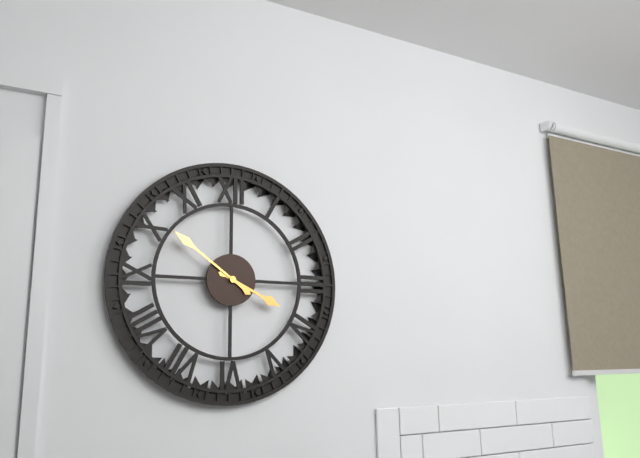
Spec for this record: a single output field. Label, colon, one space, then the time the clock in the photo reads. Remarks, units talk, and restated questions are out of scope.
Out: 3:51
